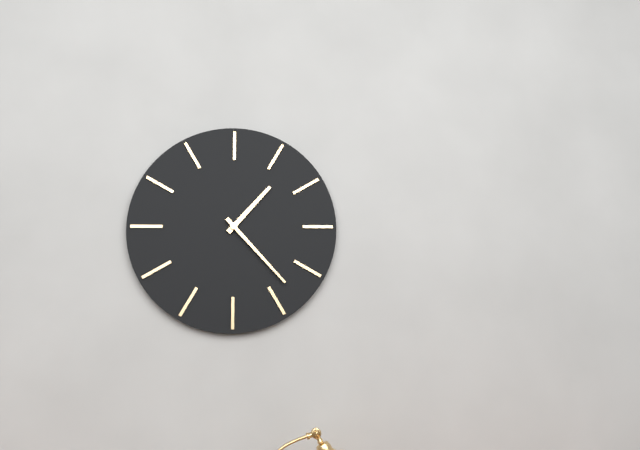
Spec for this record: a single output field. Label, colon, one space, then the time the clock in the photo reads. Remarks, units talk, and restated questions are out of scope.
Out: 1:23
